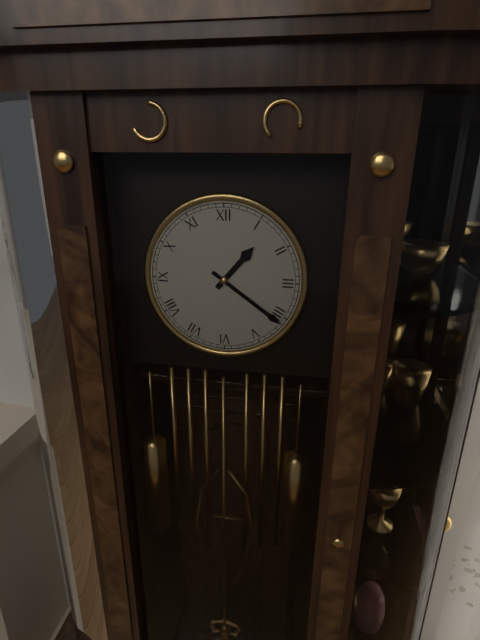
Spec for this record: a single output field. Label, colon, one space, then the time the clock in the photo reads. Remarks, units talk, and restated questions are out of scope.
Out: 1:21
